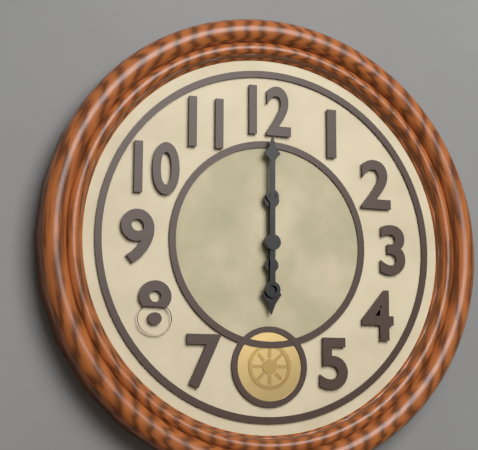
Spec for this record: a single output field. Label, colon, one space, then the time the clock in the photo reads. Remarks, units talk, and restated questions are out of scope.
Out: 6:00
